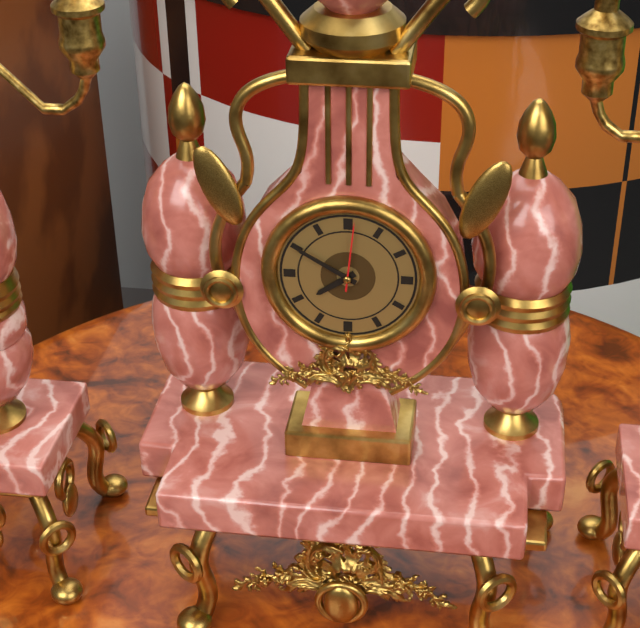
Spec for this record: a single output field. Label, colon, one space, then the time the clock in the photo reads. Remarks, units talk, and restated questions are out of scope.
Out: 7:50:01
